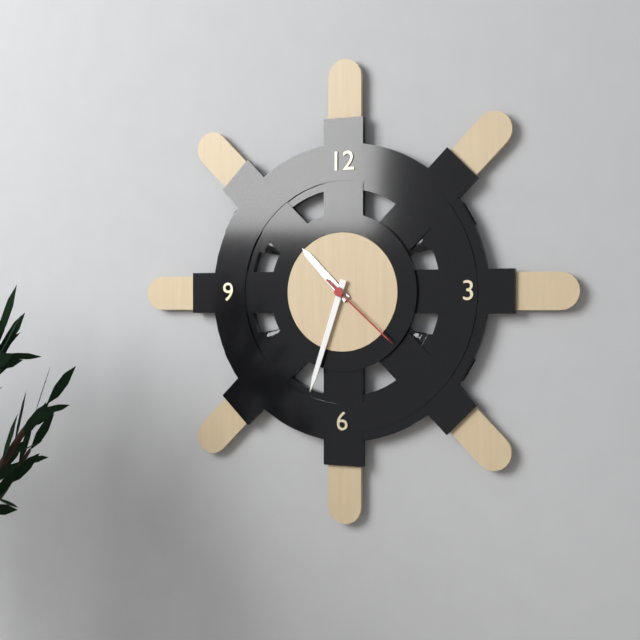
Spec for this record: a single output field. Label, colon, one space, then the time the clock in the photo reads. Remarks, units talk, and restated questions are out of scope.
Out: 10:33:22
